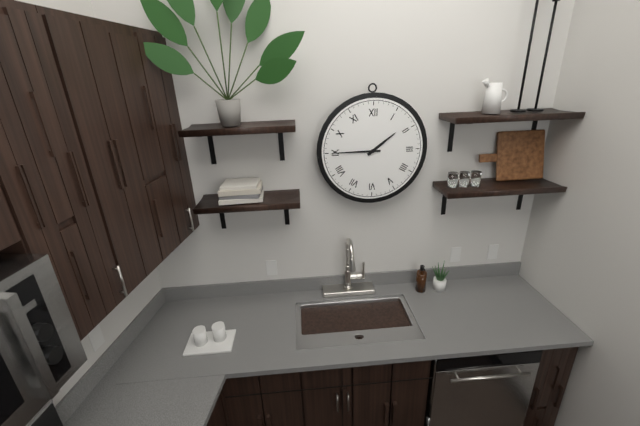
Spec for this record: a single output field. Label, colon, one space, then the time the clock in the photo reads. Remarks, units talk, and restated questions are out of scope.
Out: 1:45
